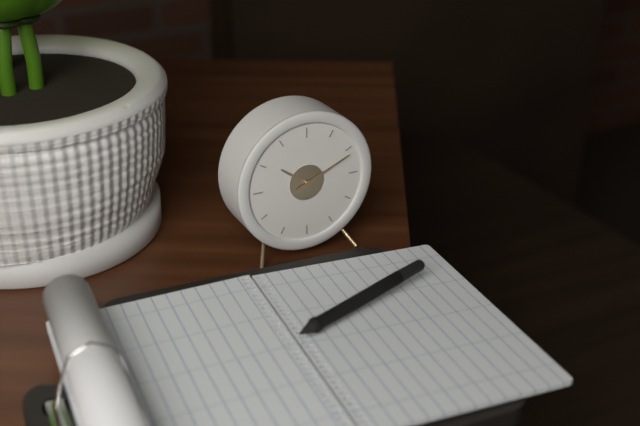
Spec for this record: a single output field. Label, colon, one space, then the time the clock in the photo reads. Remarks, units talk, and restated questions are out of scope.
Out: 10:11
